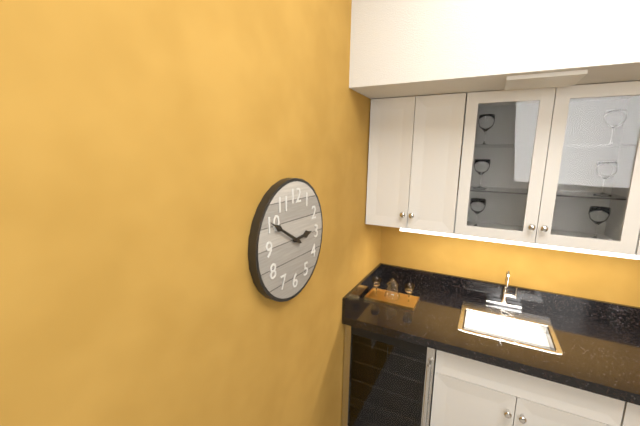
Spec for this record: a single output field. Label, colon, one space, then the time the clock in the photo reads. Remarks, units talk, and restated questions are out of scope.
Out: 2:50
